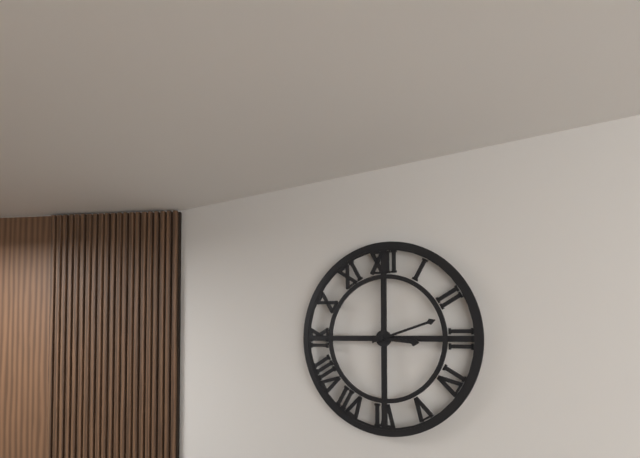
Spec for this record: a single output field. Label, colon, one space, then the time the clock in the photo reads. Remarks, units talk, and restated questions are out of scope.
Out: 3:12
